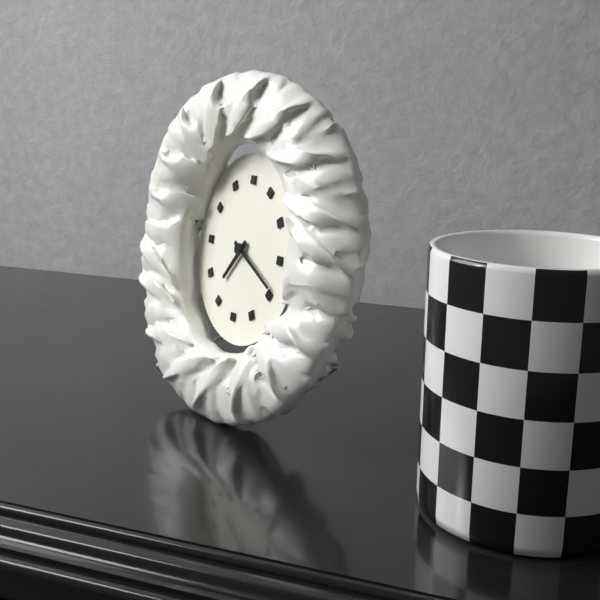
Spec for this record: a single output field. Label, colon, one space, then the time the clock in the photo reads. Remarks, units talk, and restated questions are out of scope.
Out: 7:19
